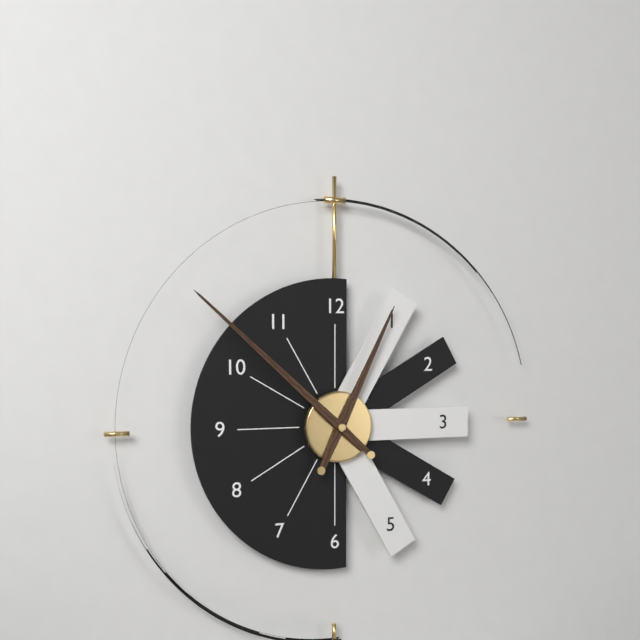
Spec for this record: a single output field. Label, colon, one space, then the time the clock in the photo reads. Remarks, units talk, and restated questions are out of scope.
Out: 12:52
